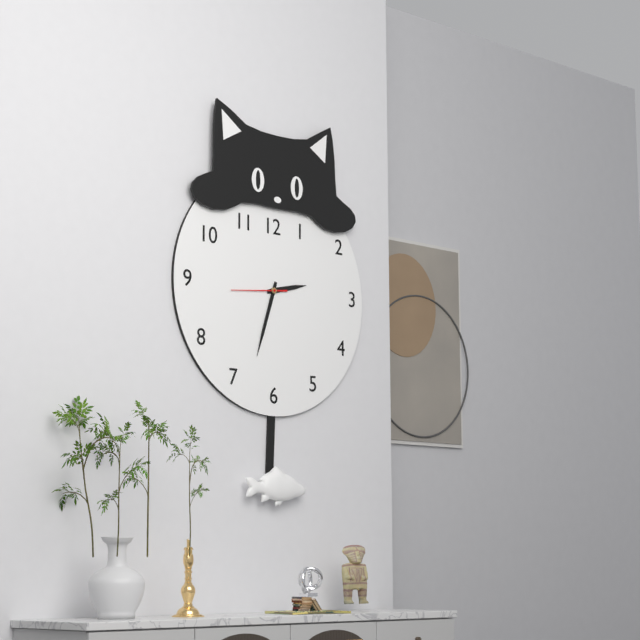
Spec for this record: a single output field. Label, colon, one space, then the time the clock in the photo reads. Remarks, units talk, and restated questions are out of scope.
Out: 2:33
